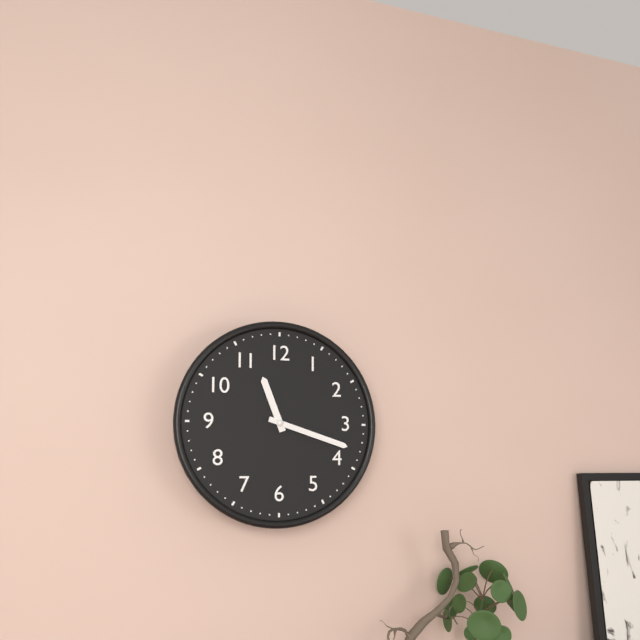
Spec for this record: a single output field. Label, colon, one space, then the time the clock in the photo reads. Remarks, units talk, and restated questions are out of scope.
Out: 11:18
